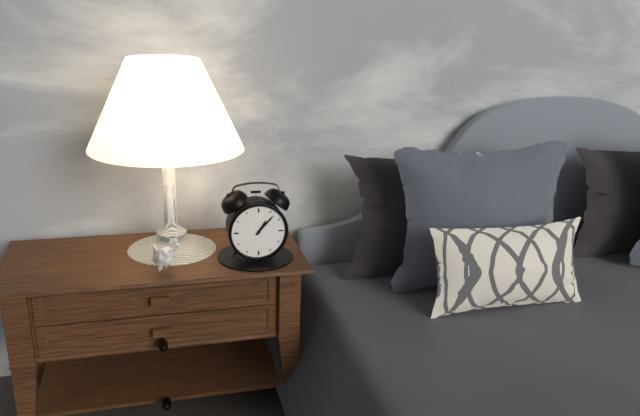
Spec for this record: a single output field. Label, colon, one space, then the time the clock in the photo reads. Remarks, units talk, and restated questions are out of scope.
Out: 1:07
